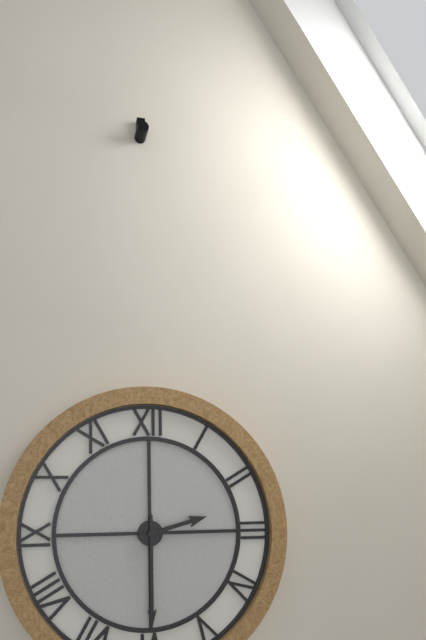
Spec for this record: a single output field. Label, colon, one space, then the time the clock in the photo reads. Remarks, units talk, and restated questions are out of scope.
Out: 2:30
